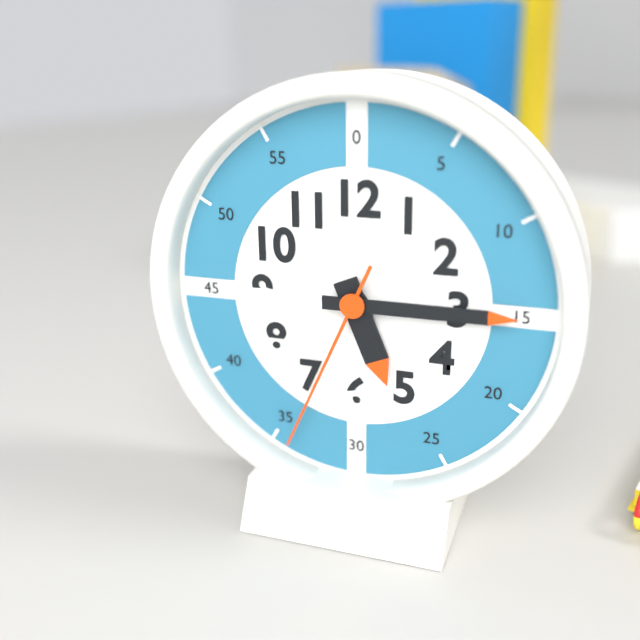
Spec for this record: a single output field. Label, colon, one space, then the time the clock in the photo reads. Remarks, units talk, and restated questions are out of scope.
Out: 5:15:34
